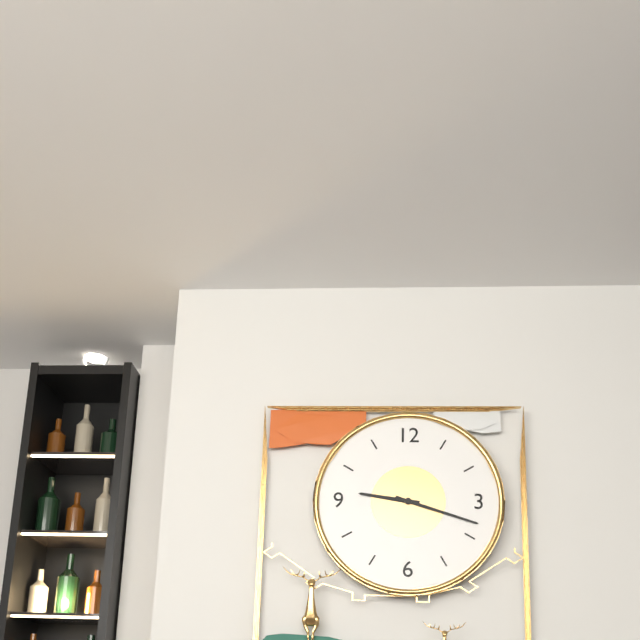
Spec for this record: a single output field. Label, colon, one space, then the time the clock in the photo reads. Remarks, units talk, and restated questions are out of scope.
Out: 9:18
